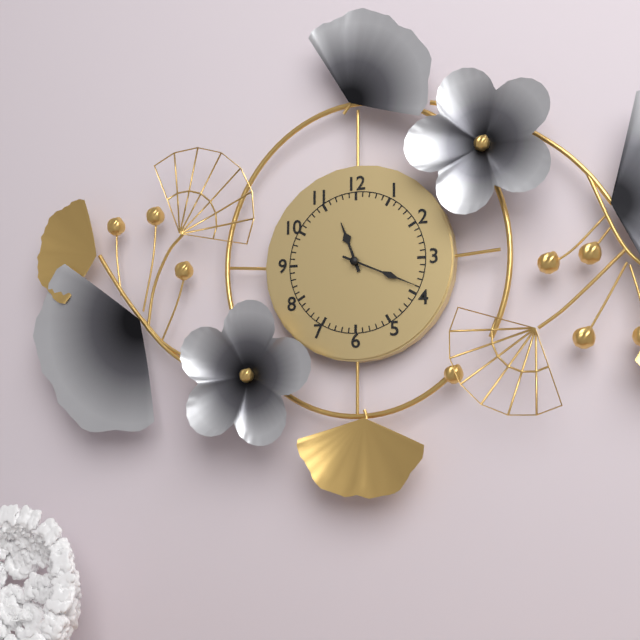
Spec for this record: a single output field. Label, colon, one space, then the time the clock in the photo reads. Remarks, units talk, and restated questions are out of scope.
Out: 11:19
